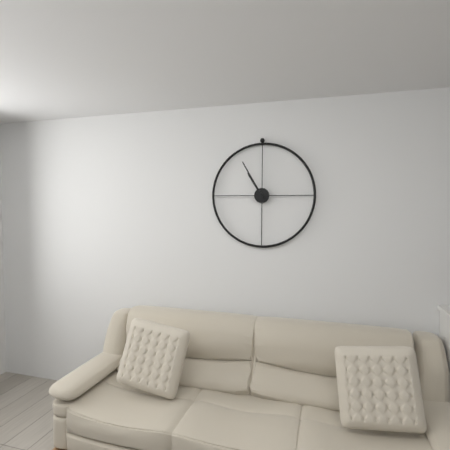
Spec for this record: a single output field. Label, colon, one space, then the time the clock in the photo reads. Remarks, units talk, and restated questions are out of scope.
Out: 10:55
